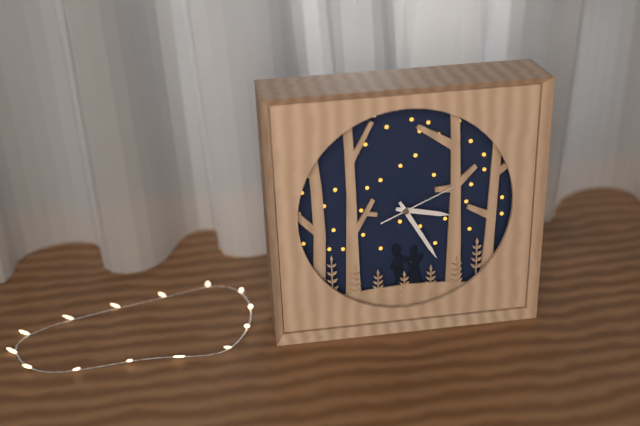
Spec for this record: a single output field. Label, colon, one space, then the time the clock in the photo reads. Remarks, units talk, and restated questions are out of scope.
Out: 3:25:11
